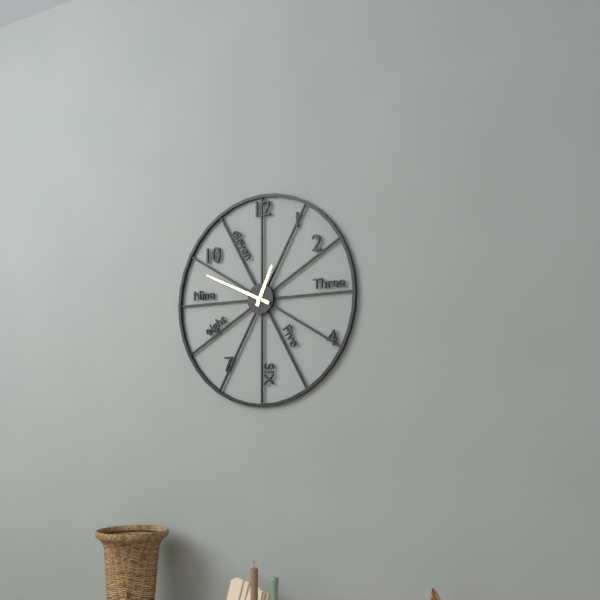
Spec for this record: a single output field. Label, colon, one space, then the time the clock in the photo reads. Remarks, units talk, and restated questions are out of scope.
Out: 12:49
